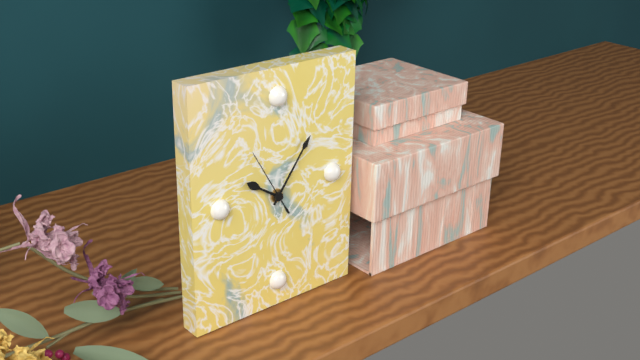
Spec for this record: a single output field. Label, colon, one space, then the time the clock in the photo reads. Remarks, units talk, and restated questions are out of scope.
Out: 10:06:55
